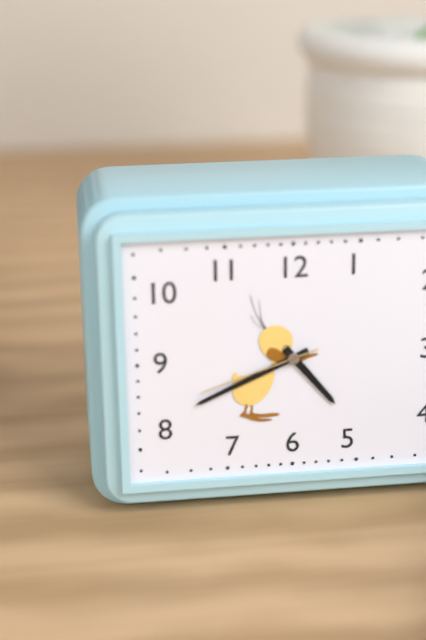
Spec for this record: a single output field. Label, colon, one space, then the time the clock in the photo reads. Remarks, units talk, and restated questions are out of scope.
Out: 4:41:42
